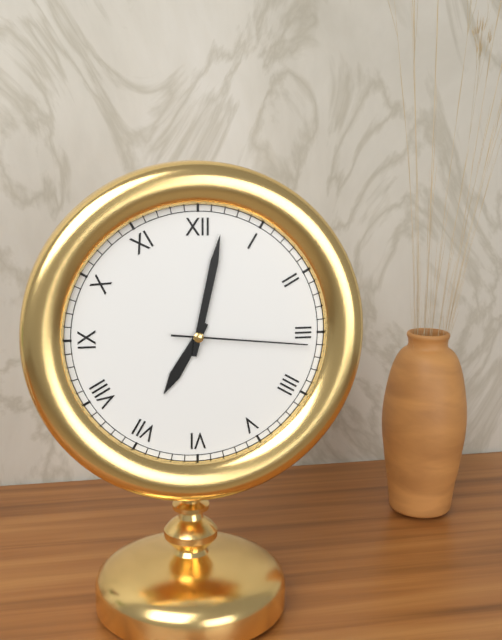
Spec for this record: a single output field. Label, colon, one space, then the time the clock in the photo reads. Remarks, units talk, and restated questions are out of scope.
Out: 7:02:16
